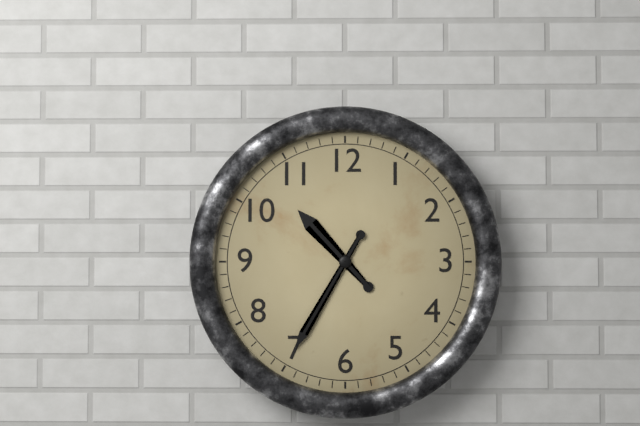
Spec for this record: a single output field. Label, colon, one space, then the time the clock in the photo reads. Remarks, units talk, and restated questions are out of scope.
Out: 10:35
